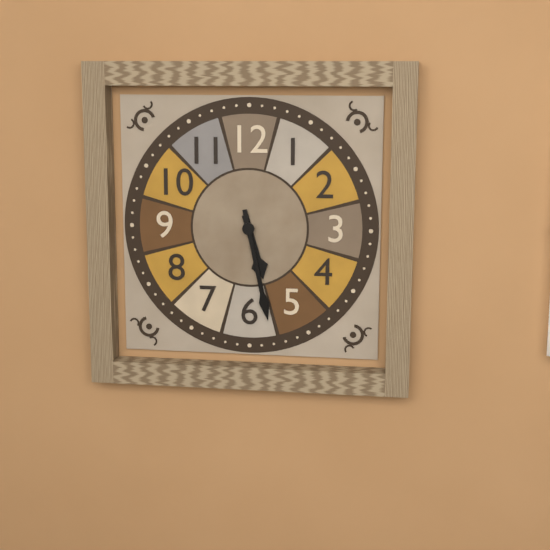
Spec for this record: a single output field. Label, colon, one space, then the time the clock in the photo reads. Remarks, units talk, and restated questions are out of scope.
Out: 5:28
